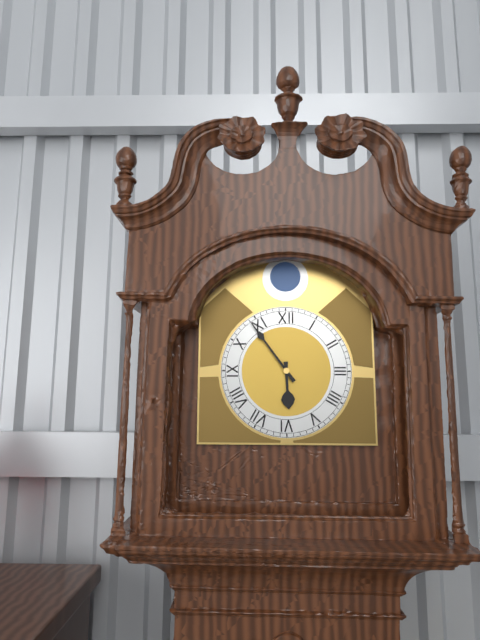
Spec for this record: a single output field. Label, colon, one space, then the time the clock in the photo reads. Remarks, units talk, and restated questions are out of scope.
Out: 5:54
